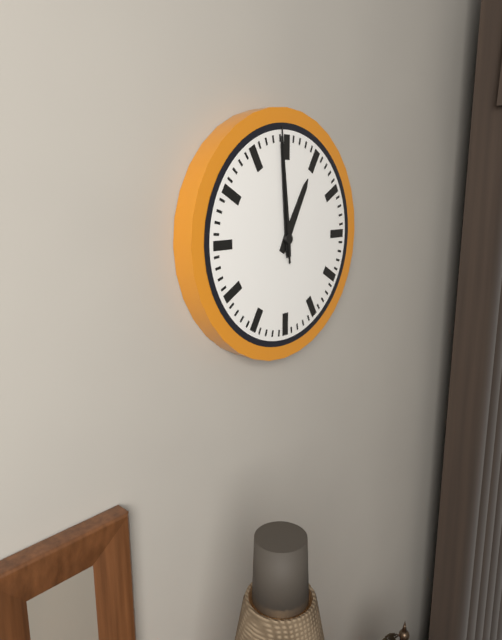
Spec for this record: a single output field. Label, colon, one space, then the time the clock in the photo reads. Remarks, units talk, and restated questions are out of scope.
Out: 12:59:59
